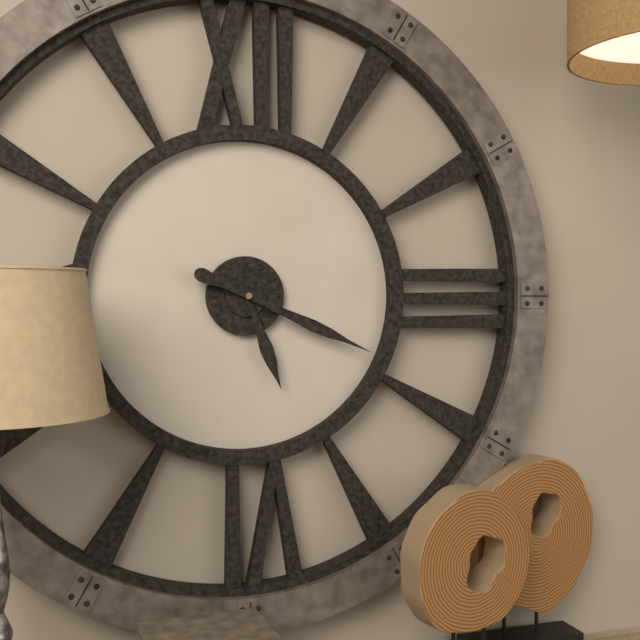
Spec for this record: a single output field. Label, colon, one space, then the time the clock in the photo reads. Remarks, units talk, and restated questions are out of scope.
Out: 5:19
